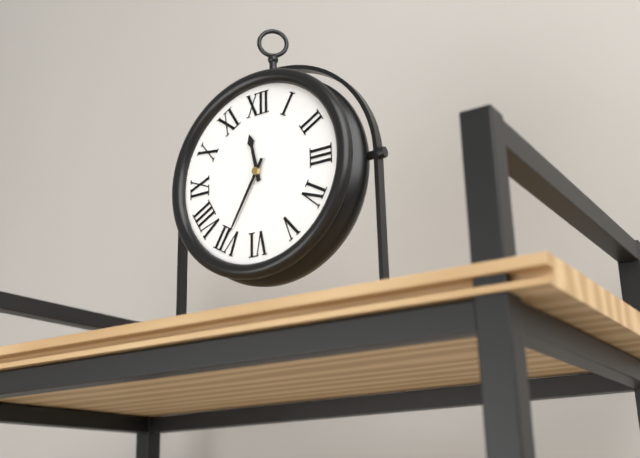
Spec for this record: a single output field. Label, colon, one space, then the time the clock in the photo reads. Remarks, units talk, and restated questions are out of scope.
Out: 11:35
